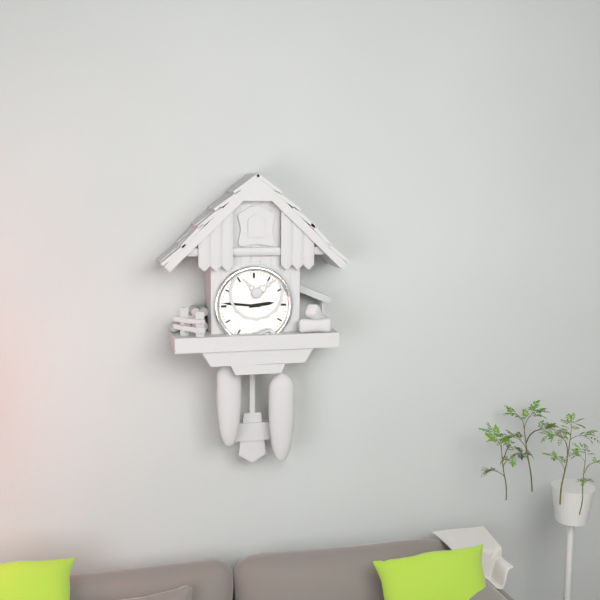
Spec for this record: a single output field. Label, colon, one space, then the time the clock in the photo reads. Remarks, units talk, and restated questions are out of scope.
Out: 2:46
